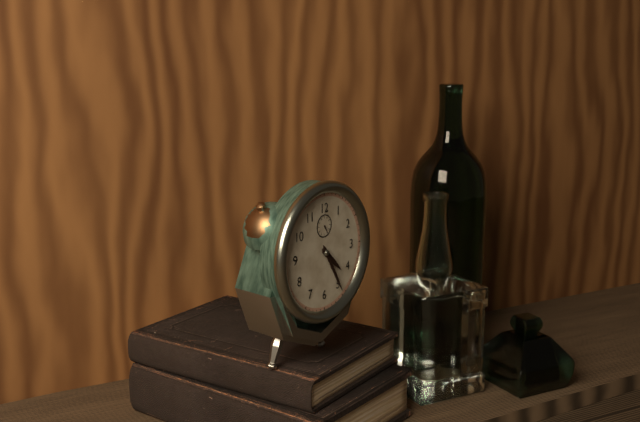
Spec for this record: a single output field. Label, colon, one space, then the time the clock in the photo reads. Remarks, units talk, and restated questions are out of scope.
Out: 4:25
